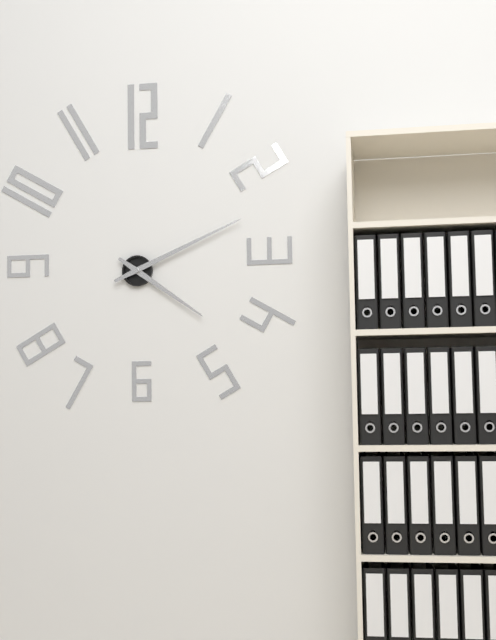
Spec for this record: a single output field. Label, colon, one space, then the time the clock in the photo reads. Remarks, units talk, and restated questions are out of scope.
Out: 4:11
